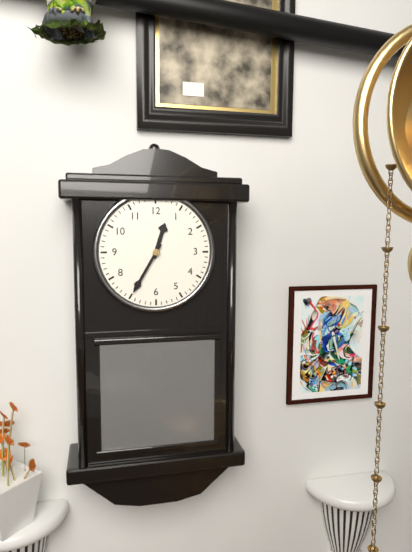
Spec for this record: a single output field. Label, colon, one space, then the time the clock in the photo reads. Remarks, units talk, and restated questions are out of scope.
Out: 12:35
